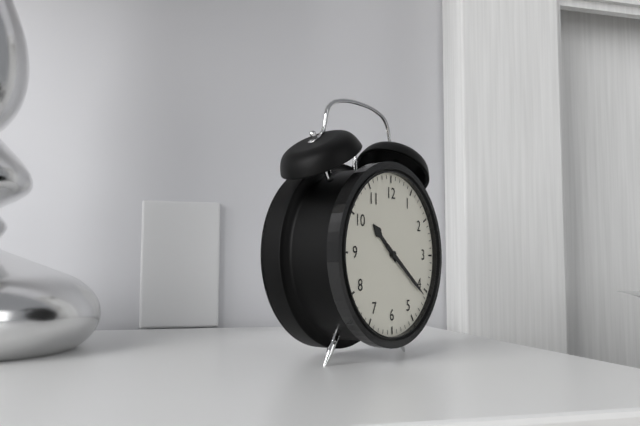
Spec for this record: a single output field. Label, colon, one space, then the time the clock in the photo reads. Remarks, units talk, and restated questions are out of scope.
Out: 10:21
